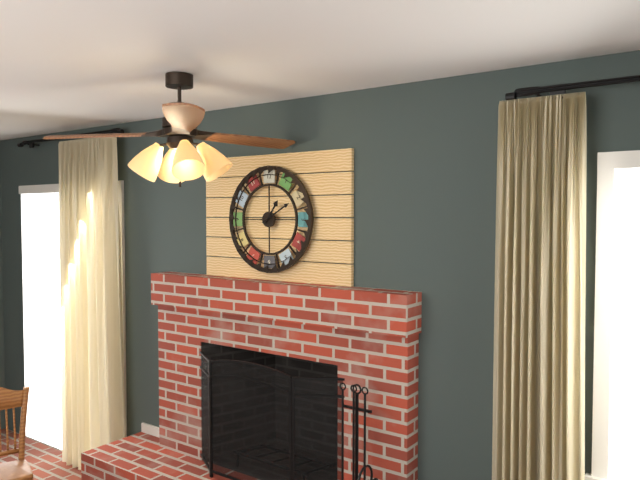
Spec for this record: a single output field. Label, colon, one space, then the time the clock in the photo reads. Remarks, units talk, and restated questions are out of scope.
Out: 1:10
